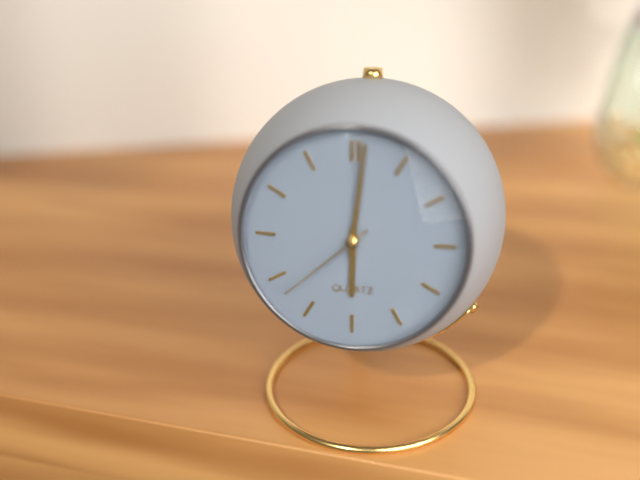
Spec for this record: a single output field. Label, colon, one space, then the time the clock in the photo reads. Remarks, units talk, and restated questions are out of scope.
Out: 6:01:38
